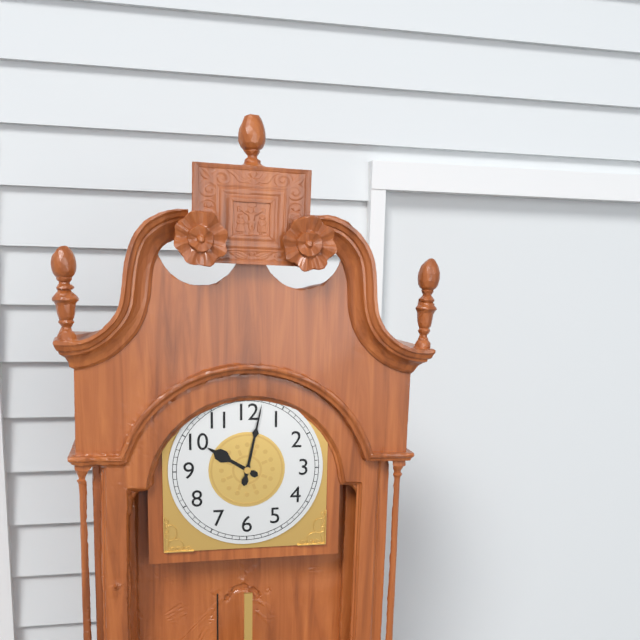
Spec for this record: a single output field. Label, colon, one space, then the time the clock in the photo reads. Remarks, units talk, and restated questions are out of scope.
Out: 10:02
